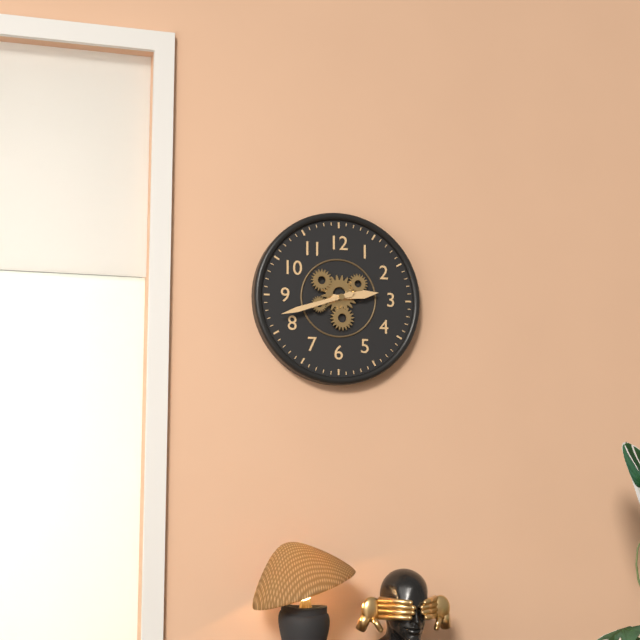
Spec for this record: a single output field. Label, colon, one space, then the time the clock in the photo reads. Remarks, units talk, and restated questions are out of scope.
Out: 2:42
